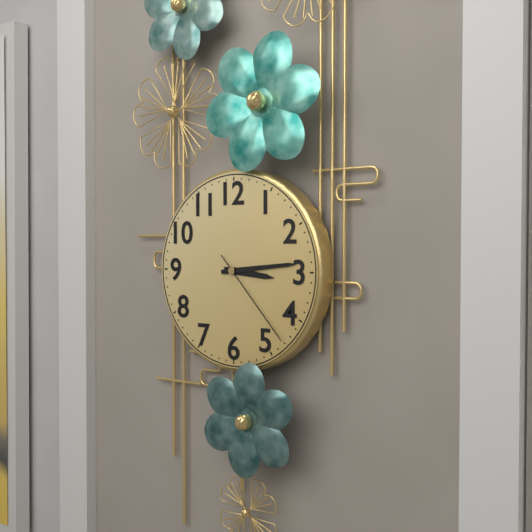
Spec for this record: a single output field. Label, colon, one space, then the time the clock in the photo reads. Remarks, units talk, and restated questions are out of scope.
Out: 3:14:23
